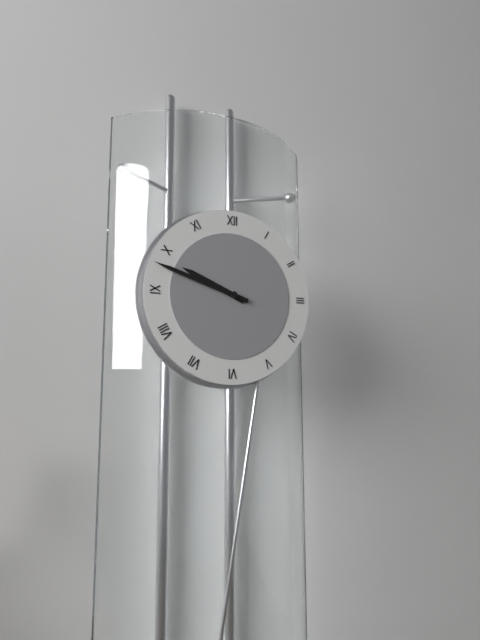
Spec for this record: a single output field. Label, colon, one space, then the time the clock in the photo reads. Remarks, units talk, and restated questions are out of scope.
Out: 9:48
